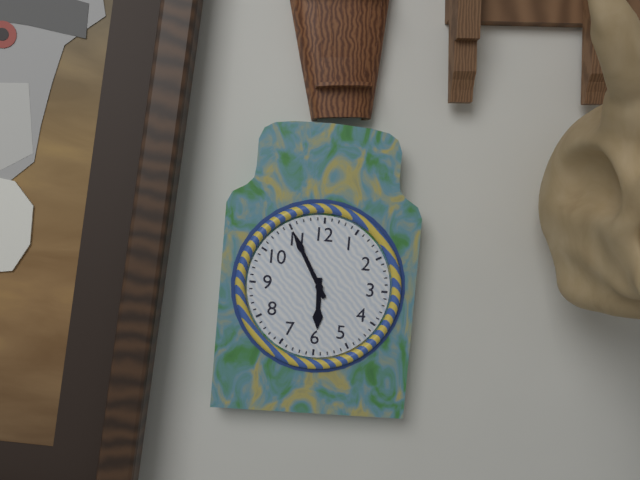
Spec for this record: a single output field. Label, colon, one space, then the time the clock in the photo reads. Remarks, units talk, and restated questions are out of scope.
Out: 5:55
